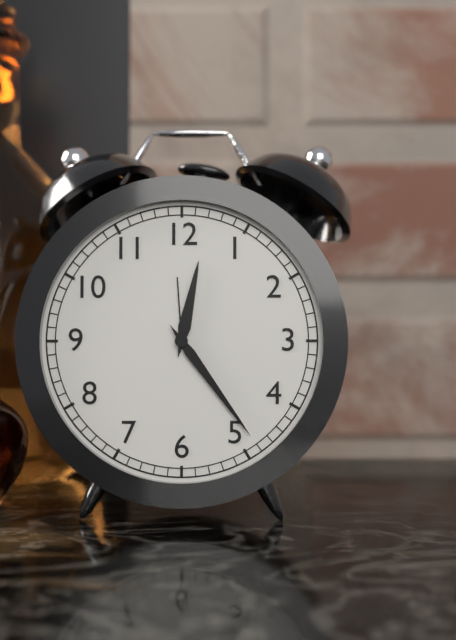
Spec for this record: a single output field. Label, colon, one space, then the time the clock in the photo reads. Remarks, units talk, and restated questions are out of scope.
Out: 12:24
